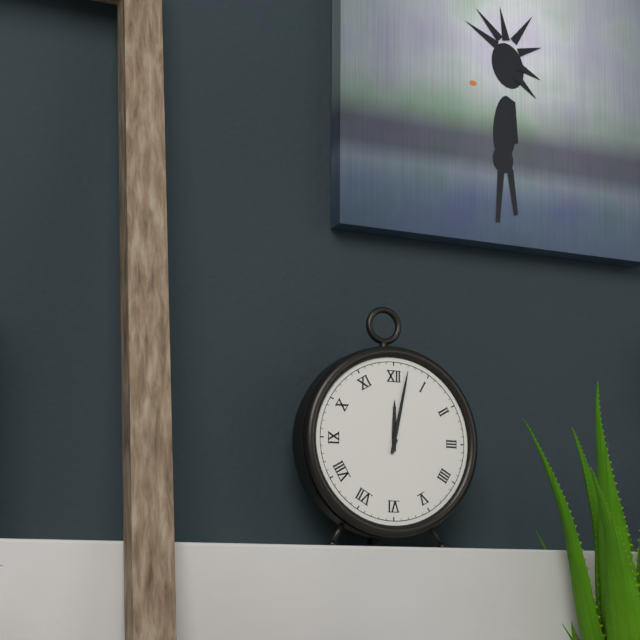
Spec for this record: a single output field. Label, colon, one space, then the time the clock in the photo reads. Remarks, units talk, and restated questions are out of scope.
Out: 12:02
